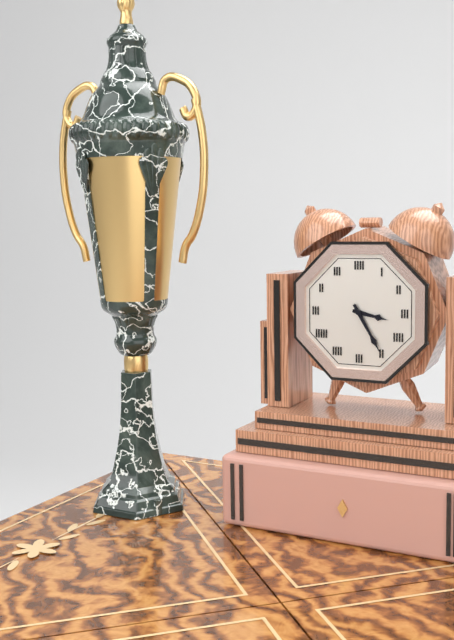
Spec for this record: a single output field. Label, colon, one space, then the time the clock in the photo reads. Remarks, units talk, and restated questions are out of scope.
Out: 3:25
